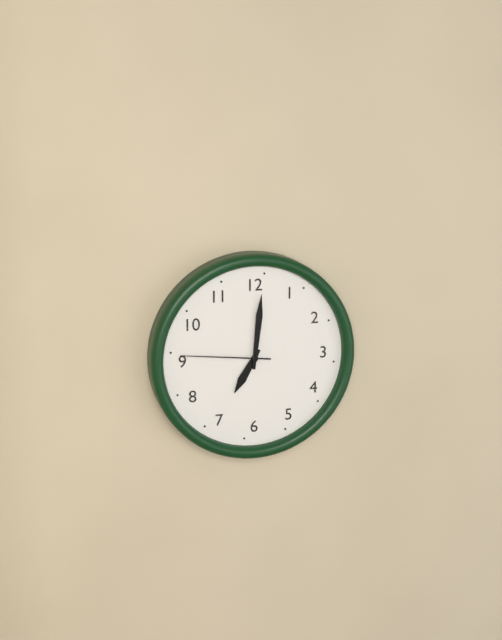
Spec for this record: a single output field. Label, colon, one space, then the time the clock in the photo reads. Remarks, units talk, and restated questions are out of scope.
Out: 7:01:46
